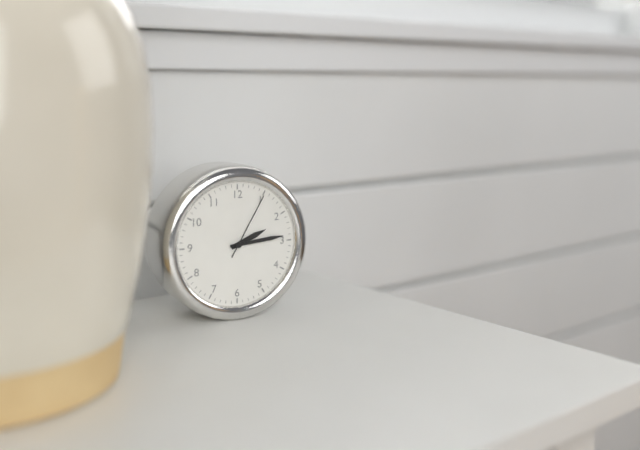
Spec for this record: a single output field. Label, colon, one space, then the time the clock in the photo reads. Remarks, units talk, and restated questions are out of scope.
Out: 2:14:05
